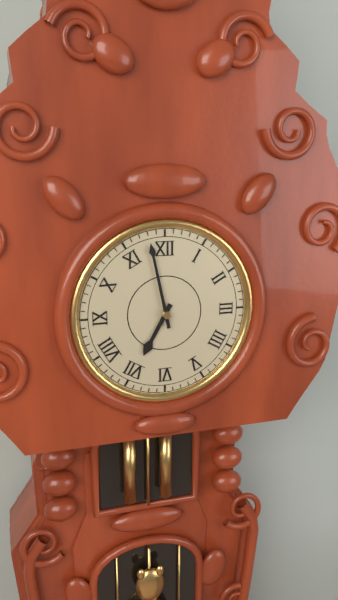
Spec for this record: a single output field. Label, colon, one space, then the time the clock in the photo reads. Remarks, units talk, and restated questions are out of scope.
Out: 6:58
